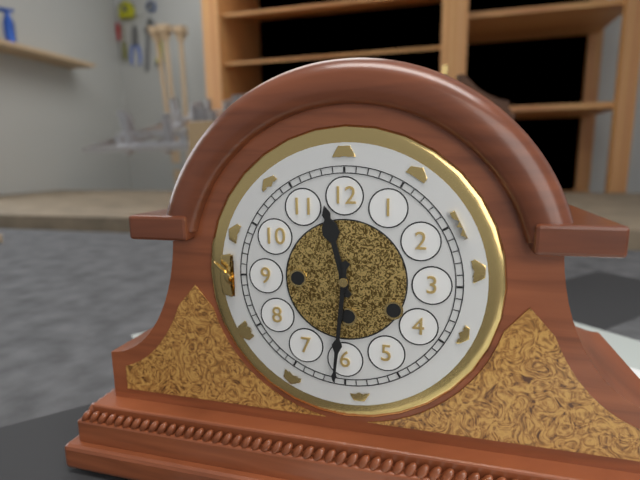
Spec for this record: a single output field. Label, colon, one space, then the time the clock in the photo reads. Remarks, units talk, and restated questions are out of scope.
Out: 11:31
